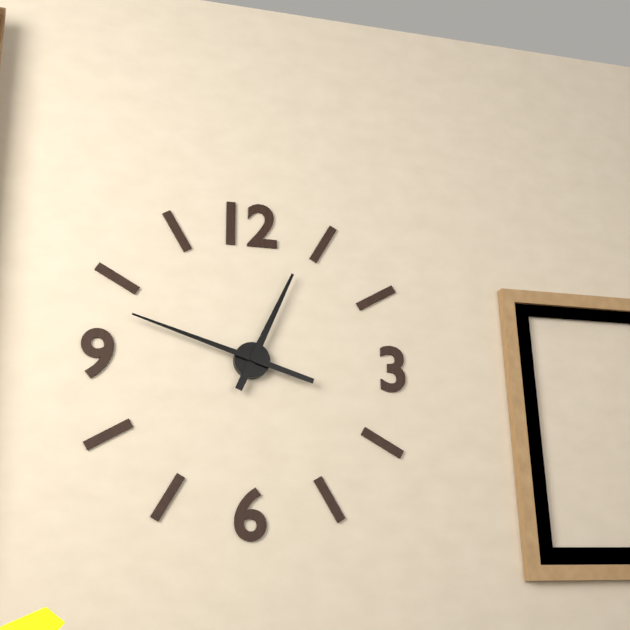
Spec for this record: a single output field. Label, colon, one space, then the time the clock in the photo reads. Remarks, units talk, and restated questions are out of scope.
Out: 12:48
